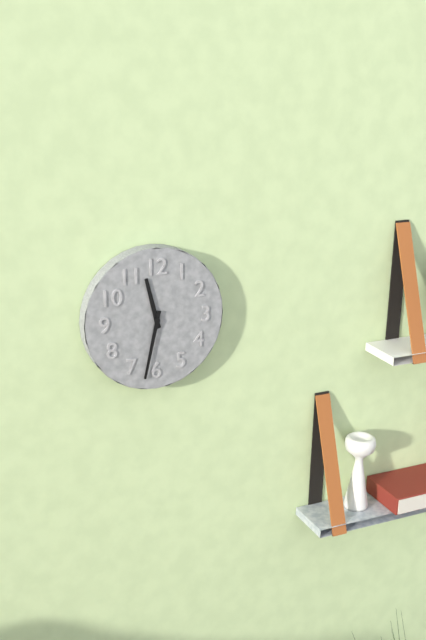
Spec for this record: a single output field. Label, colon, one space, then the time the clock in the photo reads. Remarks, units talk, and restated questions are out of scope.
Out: 11:32
